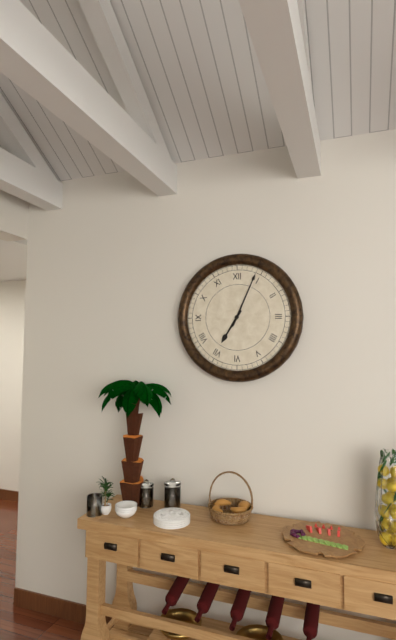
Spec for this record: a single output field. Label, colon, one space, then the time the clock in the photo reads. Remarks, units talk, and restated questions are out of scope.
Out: 7:04
